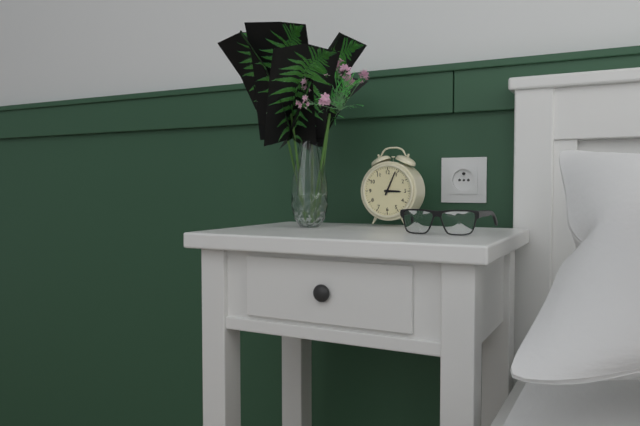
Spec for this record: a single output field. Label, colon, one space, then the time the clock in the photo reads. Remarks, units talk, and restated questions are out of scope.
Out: 3:04
